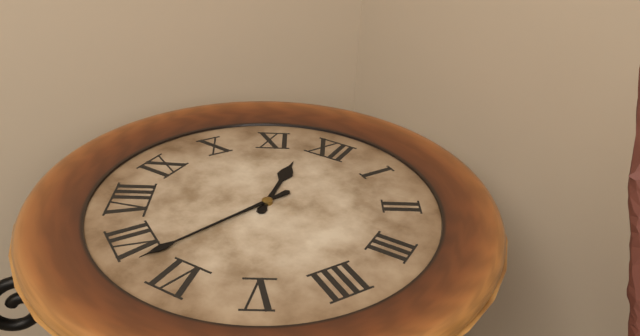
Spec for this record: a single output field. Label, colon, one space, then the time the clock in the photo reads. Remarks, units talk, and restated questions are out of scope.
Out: 11:33
